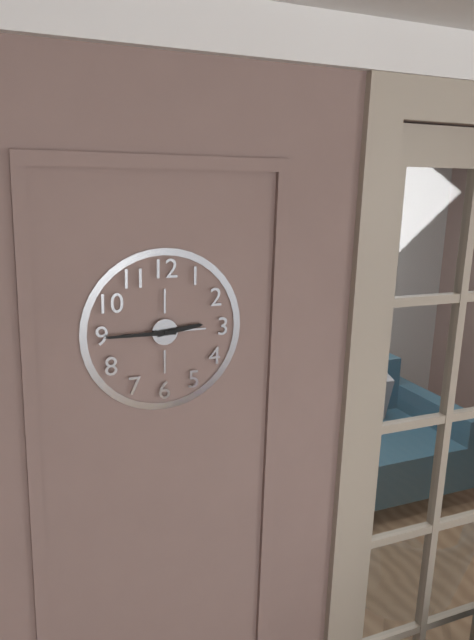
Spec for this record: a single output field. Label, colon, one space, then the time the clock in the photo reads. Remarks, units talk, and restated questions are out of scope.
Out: 2:45
